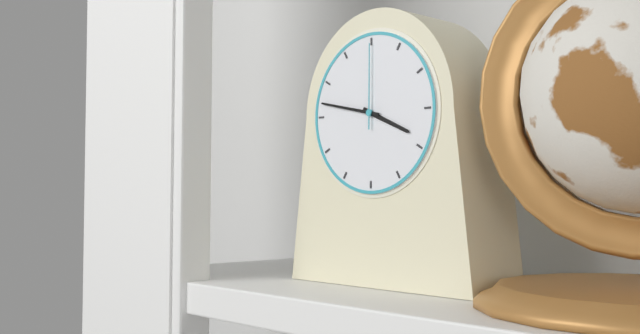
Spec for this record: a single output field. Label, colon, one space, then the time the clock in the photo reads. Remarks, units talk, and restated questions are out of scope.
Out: 3:47:00
